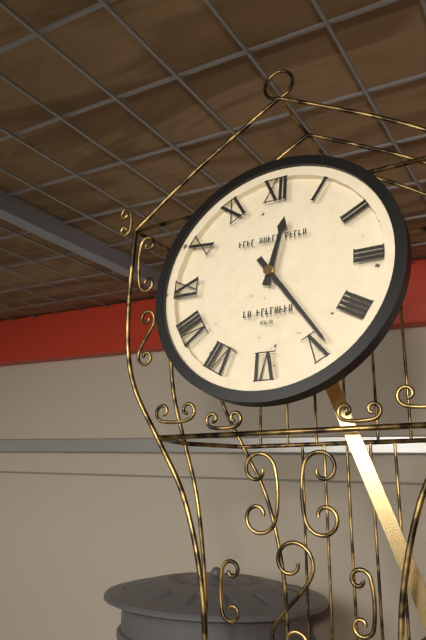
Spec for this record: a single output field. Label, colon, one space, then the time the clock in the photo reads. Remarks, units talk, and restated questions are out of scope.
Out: 12:24
